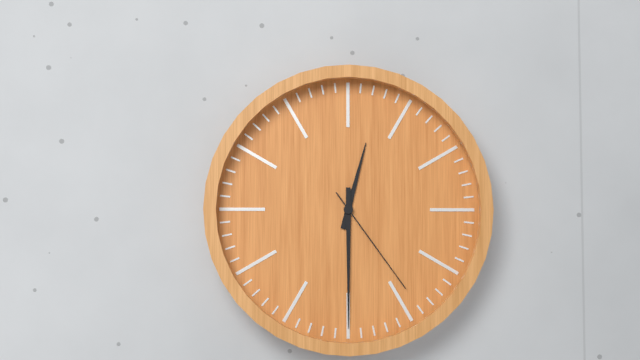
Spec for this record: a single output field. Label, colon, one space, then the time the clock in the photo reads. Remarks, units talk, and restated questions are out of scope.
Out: 12:30:24
